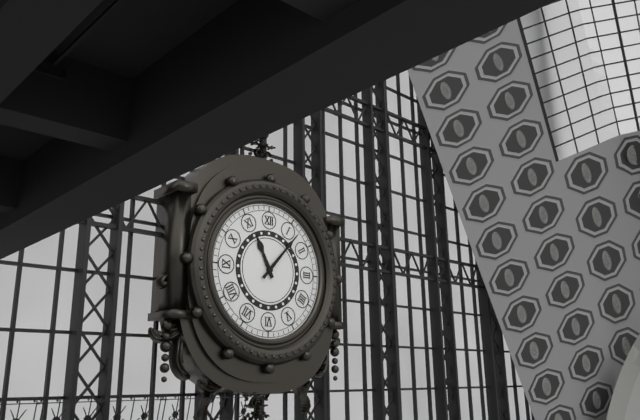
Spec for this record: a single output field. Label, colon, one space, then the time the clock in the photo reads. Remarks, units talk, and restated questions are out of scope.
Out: 11:07
